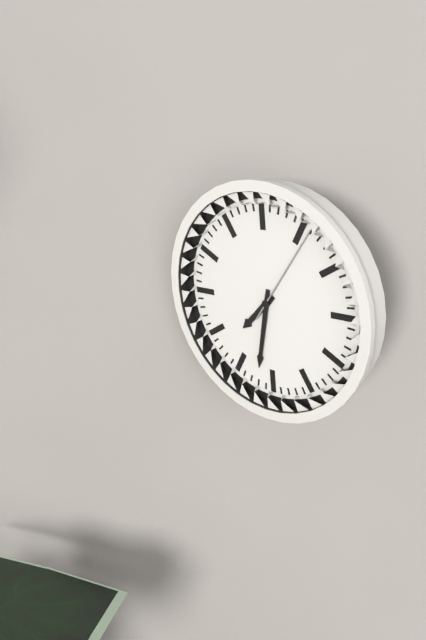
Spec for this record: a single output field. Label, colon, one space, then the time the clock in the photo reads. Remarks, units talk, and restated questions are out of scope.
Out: 7:32:06
